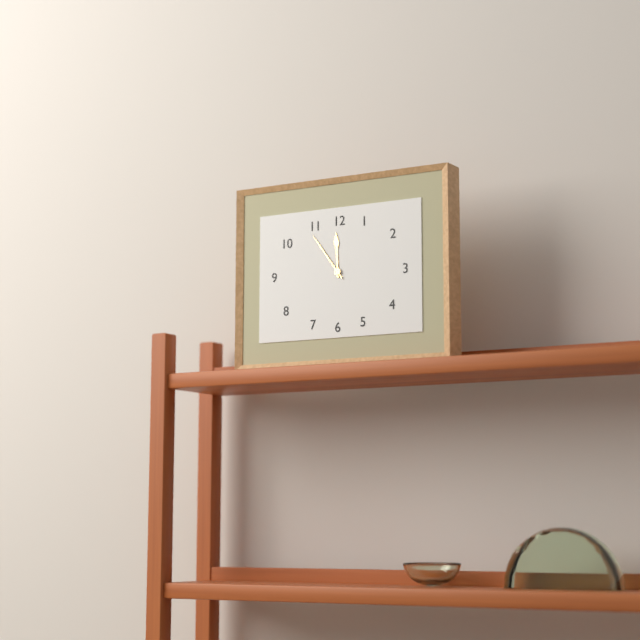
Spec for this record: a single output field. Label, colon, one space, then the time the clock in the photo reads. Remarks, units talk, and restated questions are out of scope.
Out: 11:54
